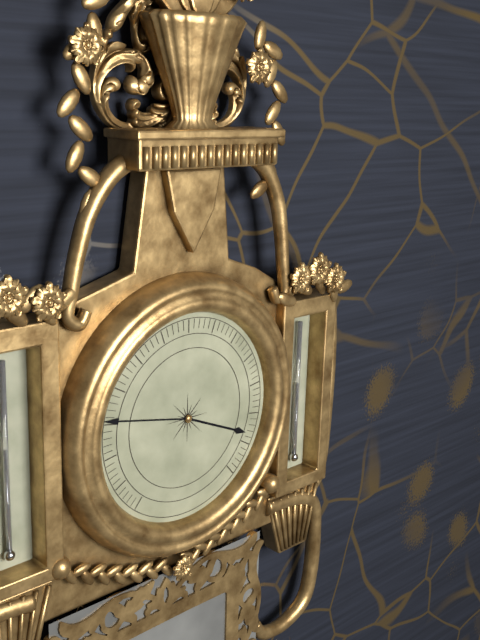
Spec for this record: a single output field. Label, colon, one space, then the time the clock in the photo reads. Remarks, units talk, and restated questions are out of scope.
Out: 3:47
